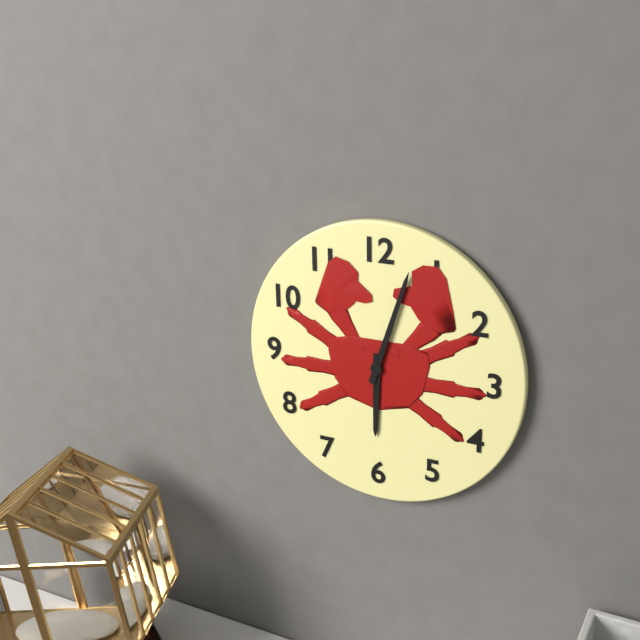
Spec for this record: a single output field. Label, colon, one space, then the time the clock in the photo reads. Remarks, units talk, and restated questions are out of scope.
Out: 6:03
